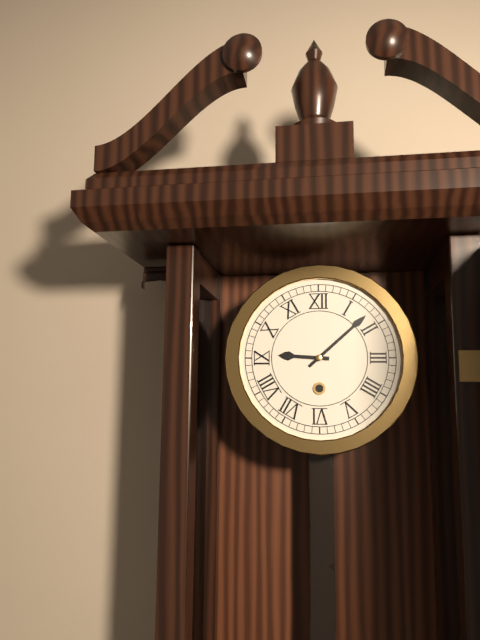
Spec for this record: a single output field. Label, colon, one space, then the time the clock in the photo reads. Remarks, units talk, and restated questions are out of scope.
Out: 9:08
